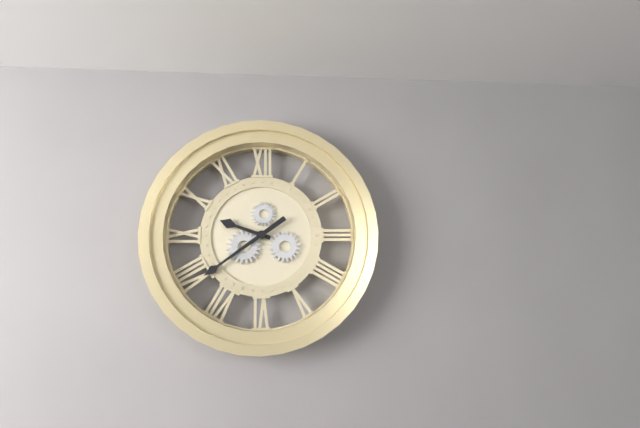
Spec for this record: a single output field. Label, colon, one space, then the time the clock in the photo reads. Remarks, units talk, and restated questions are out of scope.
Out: 9:39
